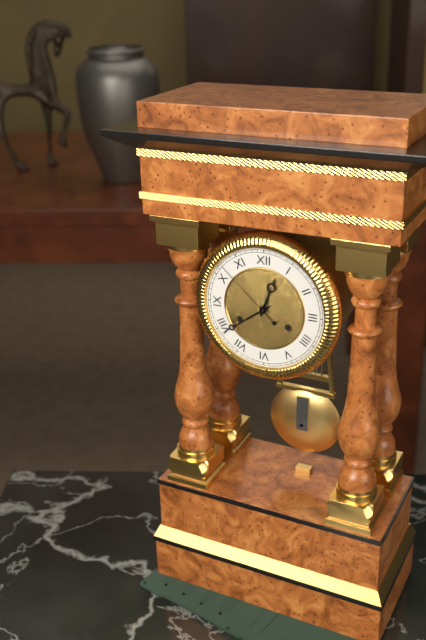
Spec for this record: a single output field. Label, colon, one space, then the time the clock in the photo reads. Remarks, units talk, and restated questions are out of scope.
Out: 12:39:52
